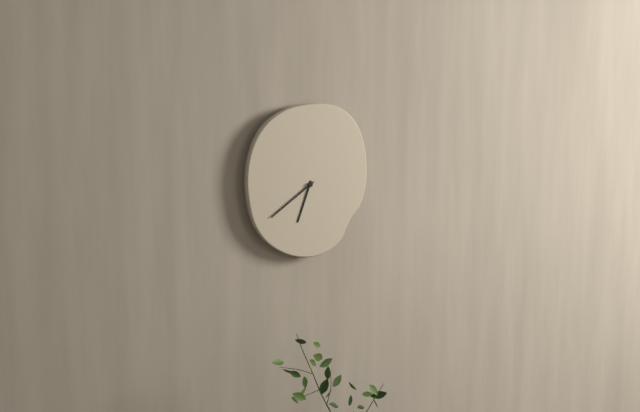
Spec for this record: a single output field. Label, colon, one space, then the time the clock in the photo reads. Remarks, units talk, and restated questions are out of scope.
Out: 6:39
